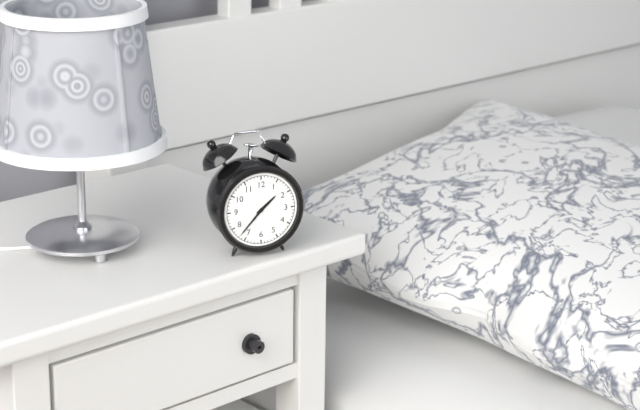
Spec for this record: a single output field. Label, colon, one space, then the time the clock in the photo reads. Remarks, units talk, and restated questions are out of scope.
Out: 1:37
